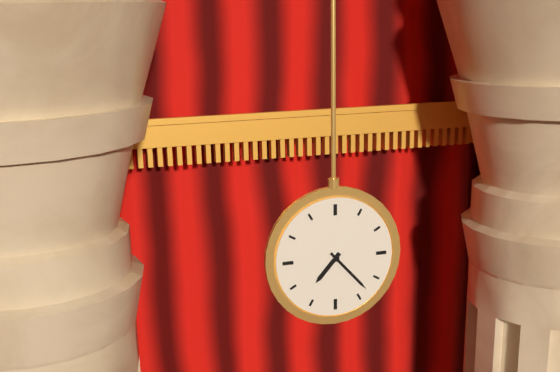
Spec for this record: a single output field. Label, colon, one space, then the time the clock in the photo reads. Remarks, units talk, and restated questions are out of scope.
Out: 7:23
